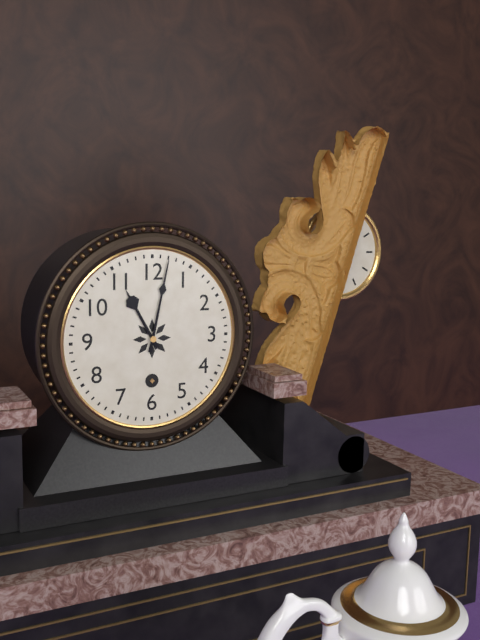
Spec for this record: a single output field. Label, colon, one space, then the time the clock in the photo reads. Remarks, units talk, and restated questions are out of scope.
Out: 11:02
